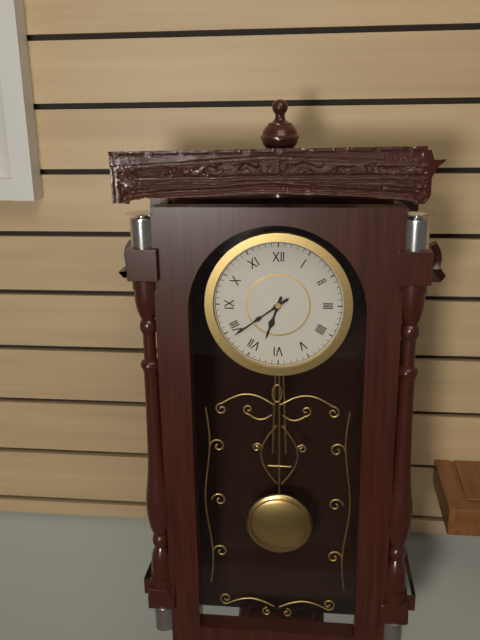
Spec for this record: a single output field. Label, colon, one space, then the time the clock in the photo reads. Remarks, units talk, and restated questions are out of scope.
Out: 6:39
